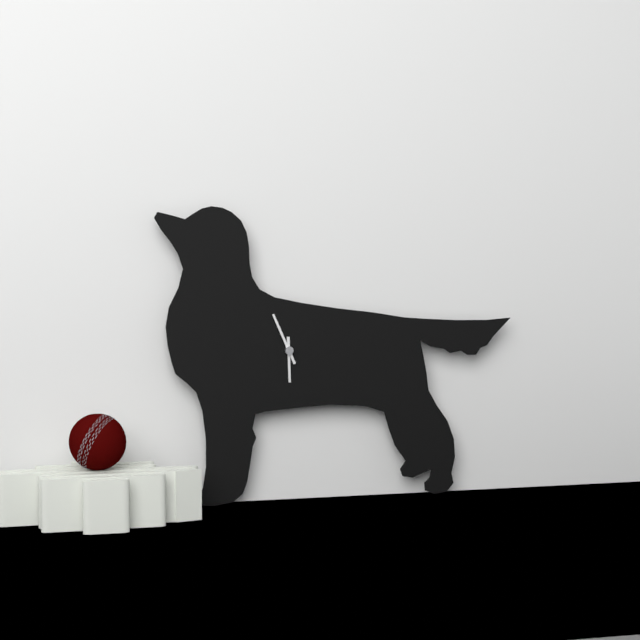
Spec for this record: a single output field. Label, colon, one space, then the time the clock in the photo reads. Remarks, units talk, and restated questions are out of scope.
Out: 5:56
